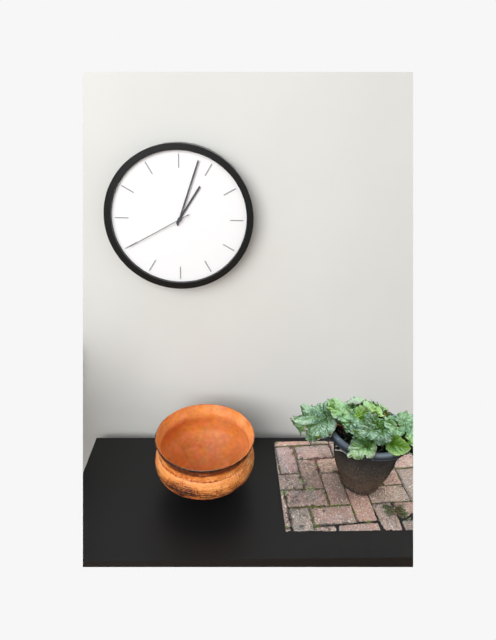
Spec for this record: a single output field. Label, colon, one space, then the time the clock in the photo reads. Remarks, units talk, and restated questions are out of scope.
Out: 1:03:40
